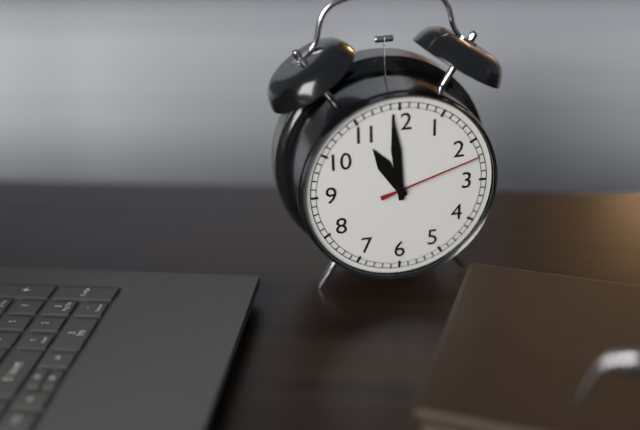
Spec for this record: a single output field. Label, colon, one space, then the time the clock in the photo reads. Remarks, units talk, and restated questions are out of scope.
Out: 10:59:12
